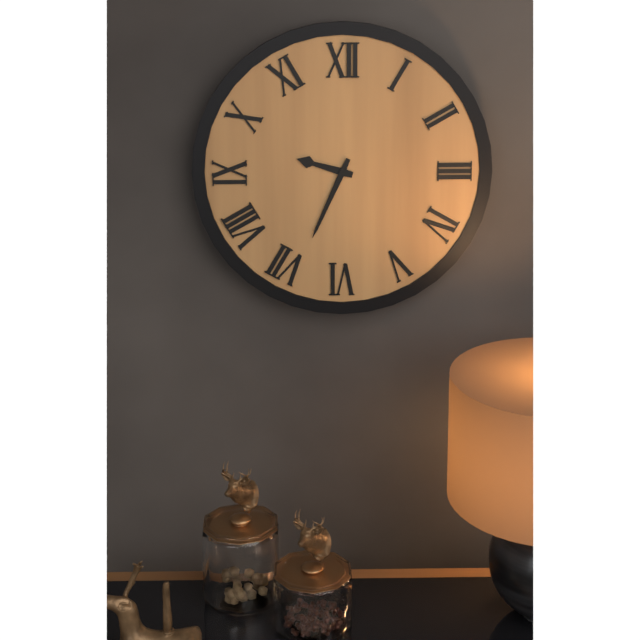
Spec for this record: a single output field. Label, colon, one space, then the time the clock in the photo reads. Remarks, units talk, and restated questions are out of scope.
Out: 9:34
